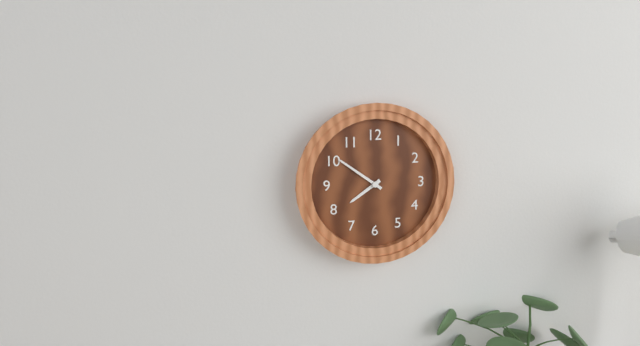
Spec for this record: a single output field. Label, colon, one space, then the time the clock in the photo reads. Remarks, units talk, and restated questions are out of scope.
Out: 7:51
